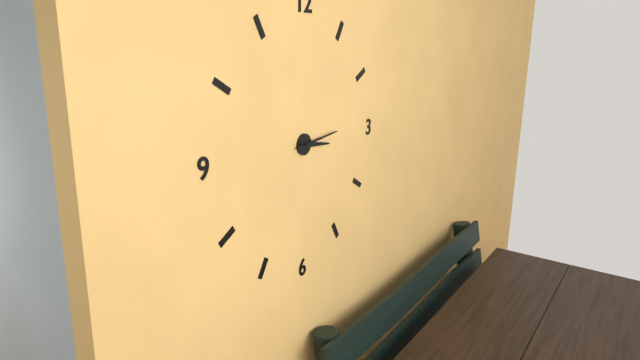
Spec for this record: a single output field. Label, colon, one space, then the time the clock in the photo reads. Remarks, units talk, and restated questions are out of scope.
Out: 3:14
